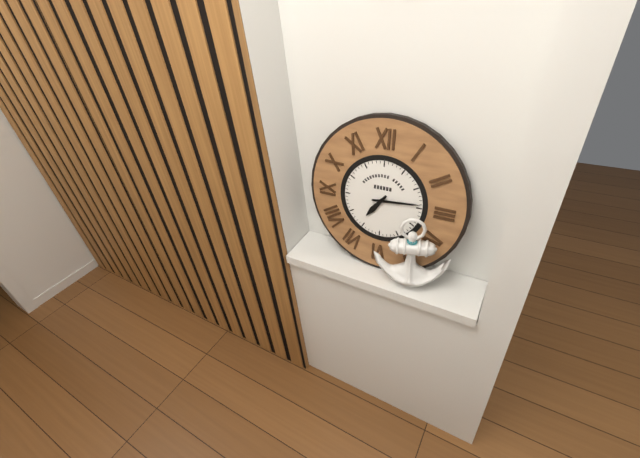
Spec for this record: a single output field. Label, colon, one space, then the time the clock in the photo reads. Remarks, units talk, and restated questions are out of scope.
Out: 7:14
